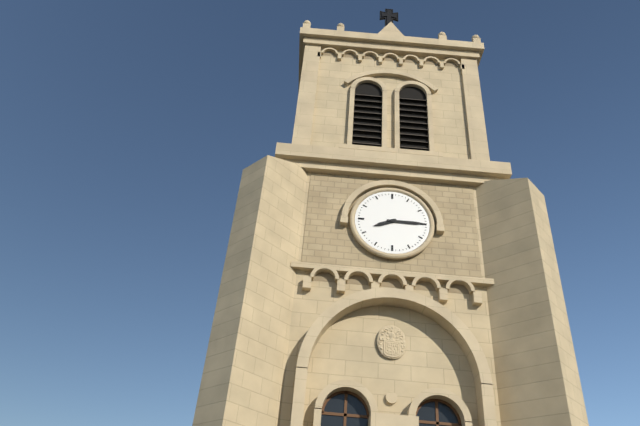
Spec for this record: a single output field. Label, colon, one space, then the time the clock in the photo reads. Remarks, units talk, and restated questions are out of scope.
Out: 8:15
